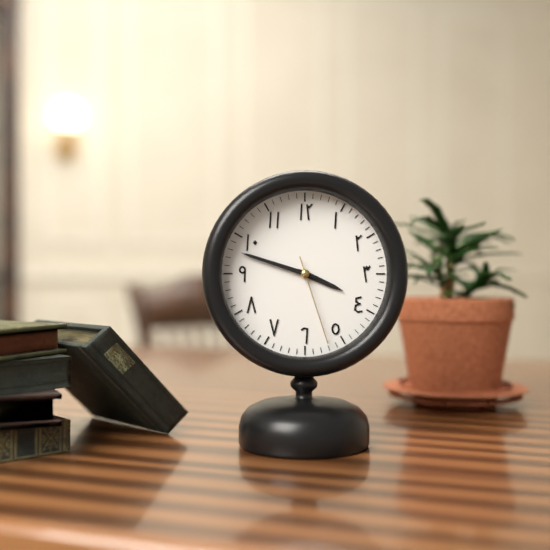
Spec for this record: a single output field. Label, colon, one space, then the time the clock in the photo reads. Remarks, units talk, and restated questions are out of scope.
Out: 3:48:27
